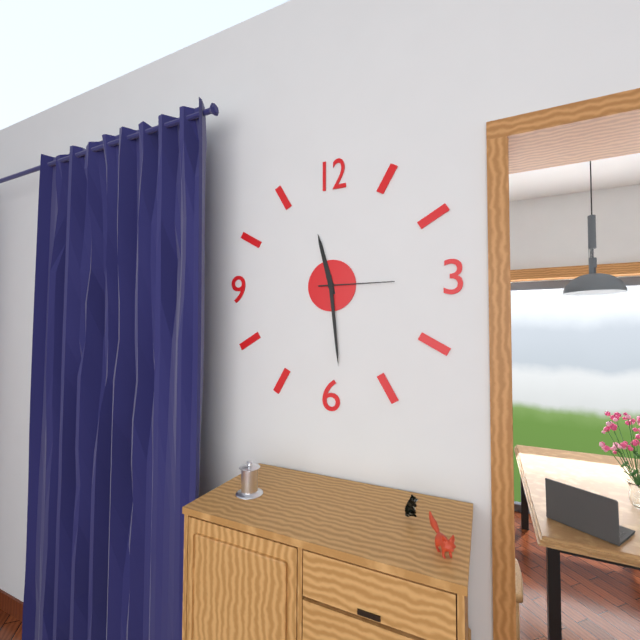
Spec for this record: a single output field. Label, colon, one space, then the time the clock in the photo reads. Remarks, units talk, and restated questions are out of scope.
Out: 11:29:15
